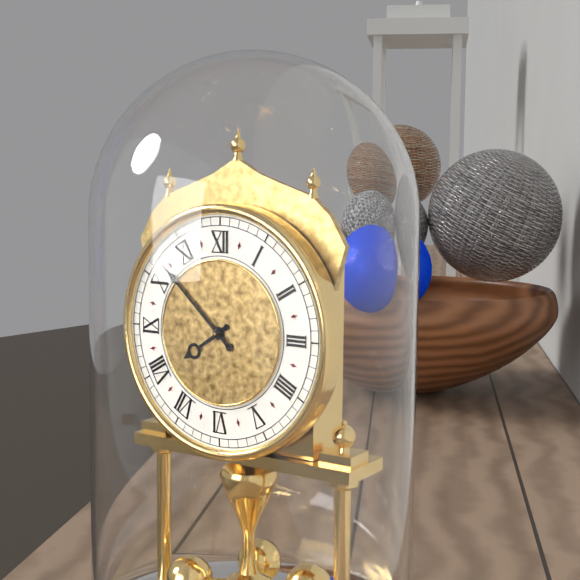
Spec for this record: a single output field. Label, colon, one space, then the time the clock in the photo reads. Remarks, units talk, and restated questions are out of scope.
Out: 7:52
